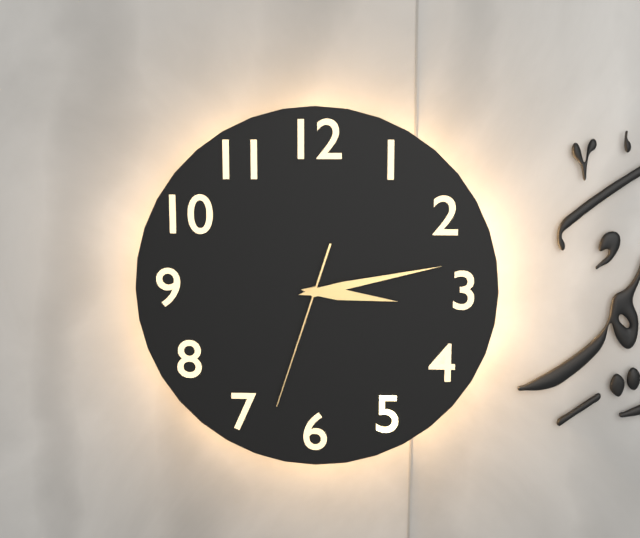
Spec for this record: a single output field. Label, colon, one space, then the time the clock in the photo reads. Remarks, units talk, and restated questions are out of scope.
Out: 3:13:33
